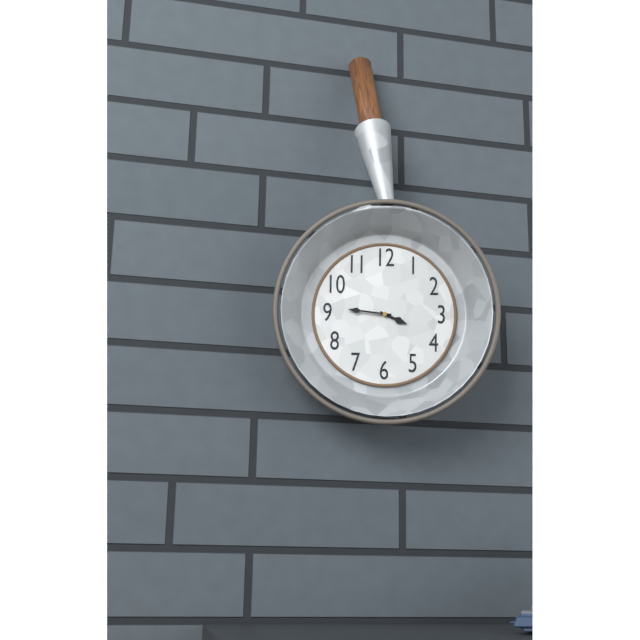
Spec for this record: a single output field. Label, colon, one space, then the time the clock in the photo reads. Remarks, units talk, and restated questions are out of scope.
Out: 3:46
